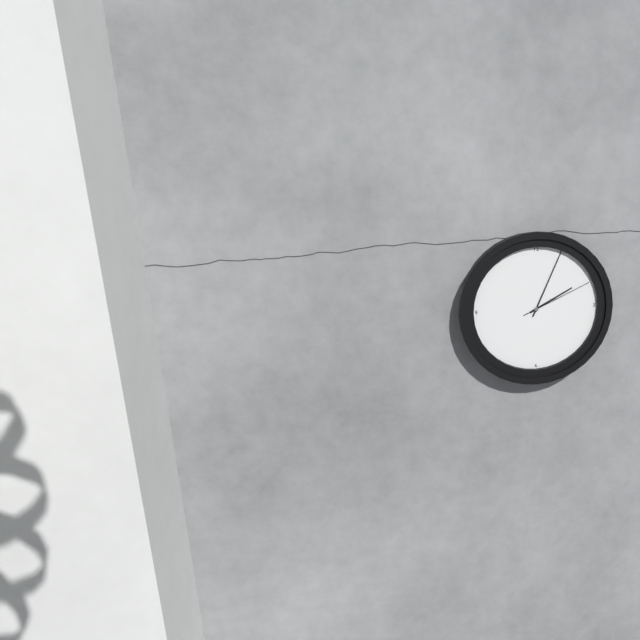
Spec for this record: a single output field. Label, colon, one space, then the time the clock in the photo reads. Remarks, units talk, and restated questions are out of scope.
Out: 2:04:11
